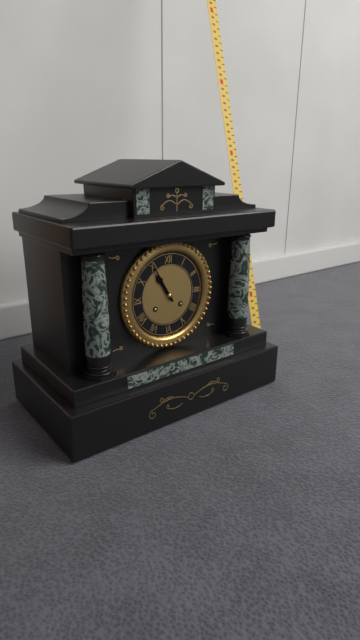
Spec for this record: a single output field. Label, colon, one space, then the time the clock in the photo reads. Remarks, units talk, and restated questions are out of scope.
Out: 10:55
